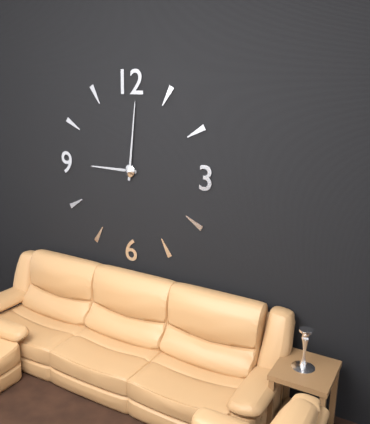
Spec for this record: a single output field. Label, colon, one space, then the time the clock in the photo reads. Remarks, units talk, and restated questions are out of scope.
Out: 9:01
